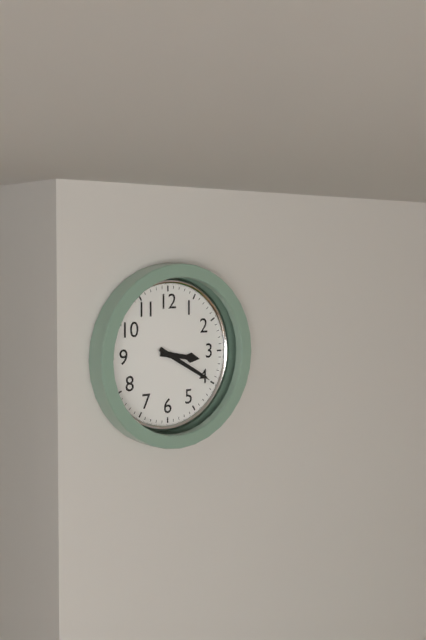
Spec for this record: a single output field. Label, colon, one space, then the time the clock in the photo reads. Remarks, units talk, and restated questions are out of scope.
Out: 3:20
